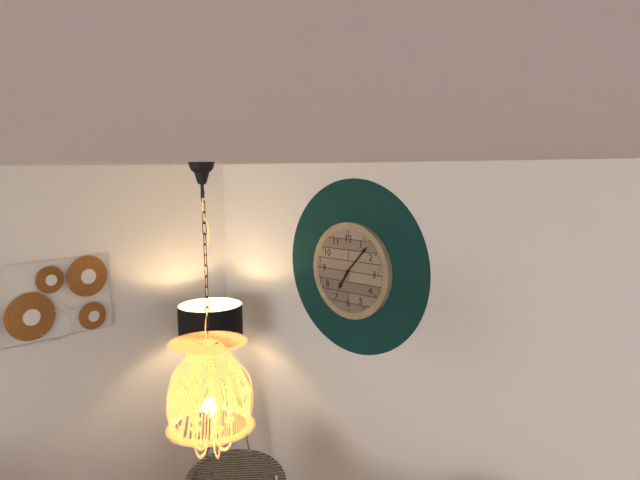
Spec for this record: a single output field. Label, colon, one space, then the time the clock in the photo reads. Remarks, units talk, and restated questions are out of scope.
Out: 7:07
